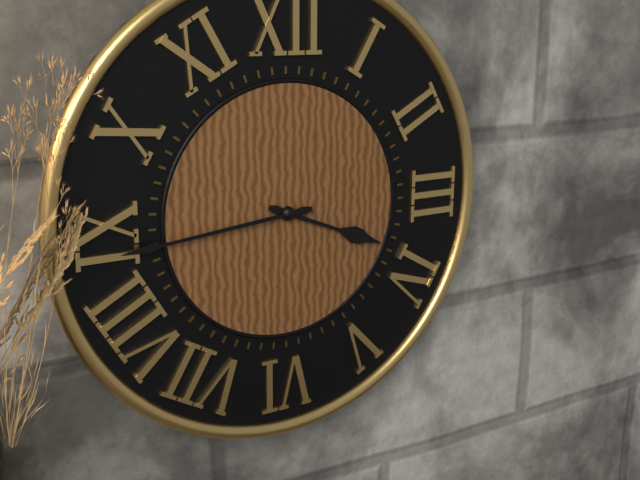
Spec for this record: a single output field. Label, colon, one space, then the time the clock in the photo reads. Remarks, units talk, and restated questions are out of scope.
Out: 3:44
